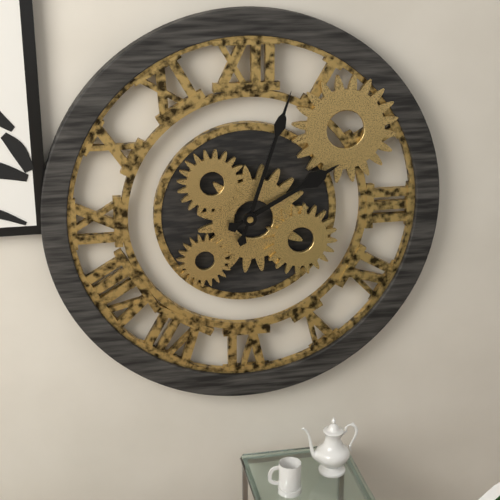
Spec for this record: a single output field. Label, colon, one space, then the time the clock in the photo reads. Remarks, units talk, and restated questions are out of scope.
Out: 2:03
